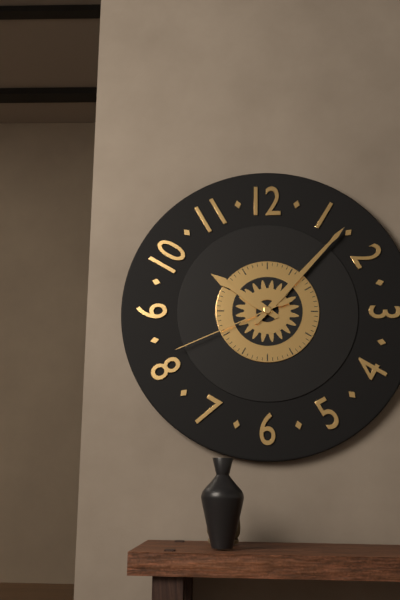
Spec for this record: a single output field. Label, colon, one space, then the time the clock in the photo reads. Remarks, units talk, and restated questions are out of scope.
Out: 10:07:41
